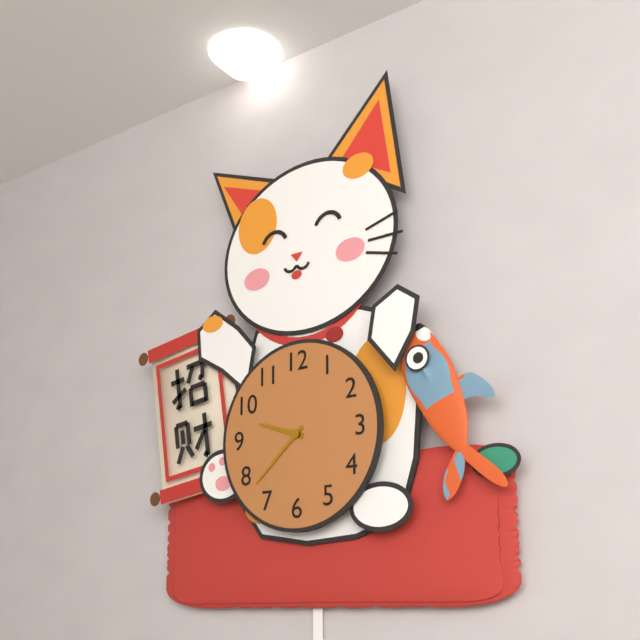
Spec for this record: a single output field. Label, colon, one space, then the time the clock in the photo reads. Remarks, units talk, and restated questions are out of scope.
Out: 9:38
